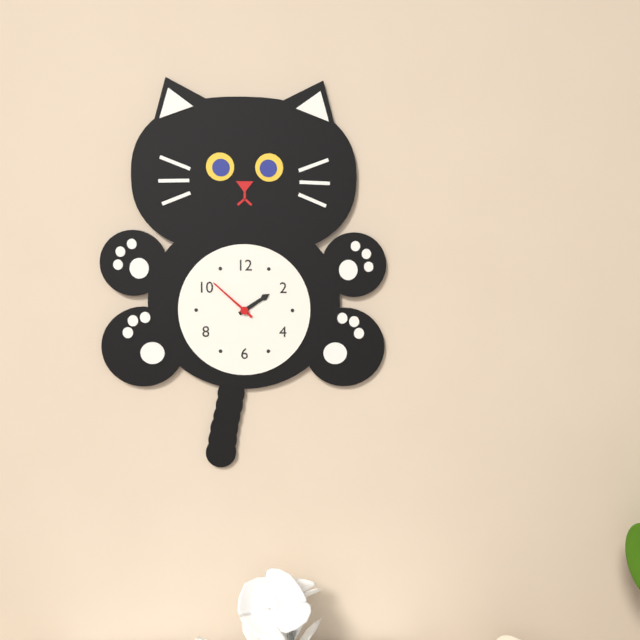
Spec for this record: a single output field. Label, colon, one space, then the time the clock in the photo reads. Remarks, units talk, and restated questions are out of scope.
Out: 1:52
